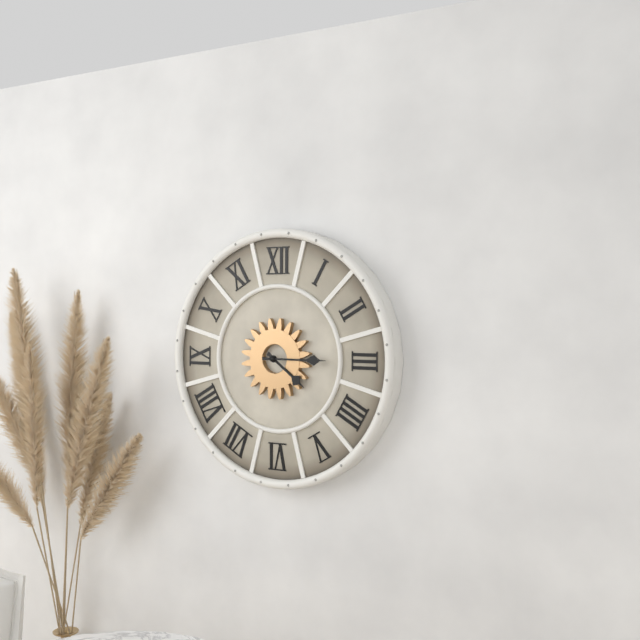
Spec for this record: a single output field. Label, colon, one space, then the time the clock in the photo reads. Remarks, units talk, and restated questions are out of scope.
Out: 4:15
